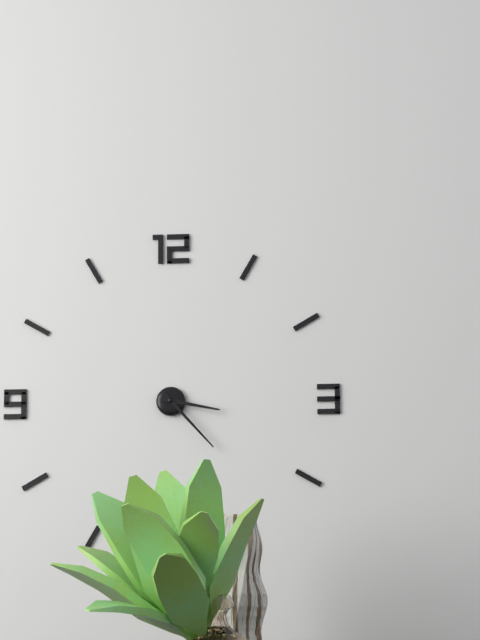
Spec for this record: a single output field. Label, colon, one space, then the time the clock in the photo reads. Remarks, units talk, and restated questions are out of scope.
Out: 3:23
